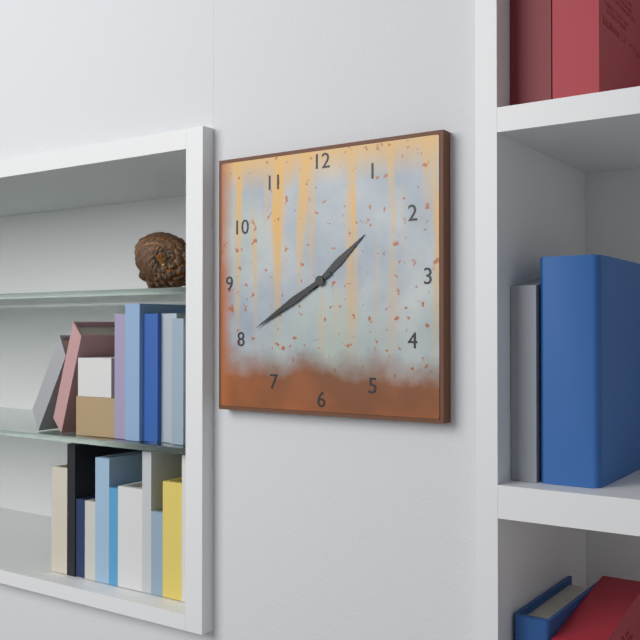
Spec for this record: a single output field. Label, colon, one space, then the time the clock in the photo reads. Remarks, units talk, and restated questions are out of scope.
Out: 1:40
